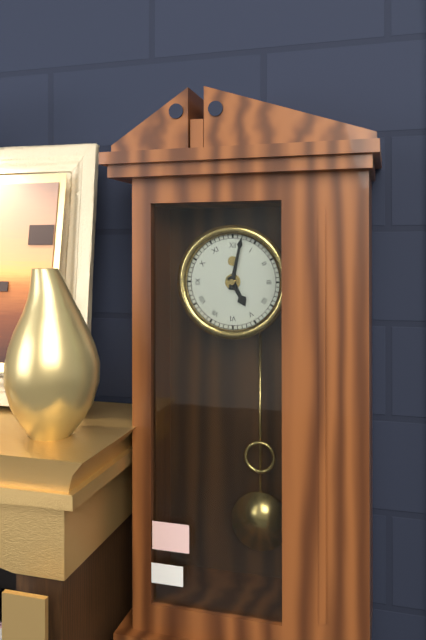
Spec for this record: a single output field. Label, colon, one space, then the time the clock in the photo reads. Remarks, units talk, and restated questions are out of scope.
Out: 5:02
